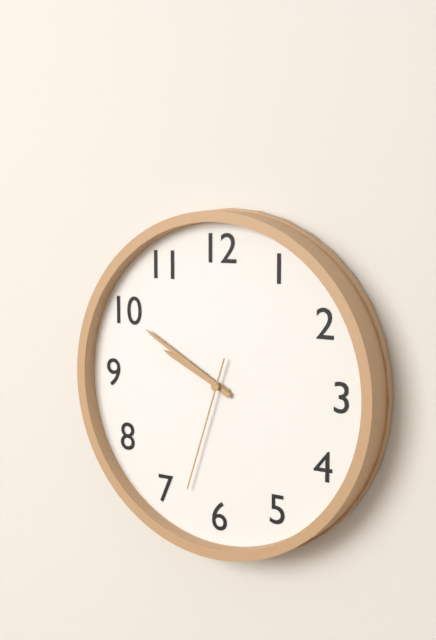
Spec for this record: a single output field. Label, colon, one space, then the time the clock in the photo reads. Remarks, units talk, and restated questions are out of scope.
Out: 9:50:33
